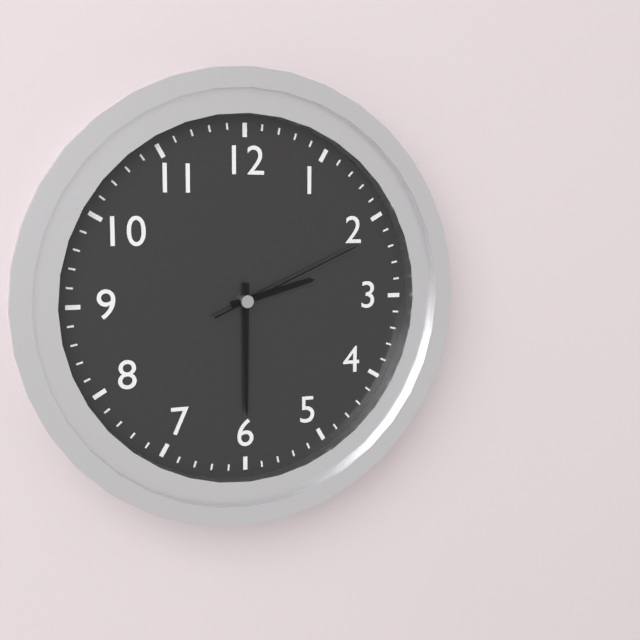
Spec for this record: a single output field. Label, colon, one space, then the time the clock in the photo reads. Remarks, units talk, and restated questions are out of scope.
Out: 2:30:11
